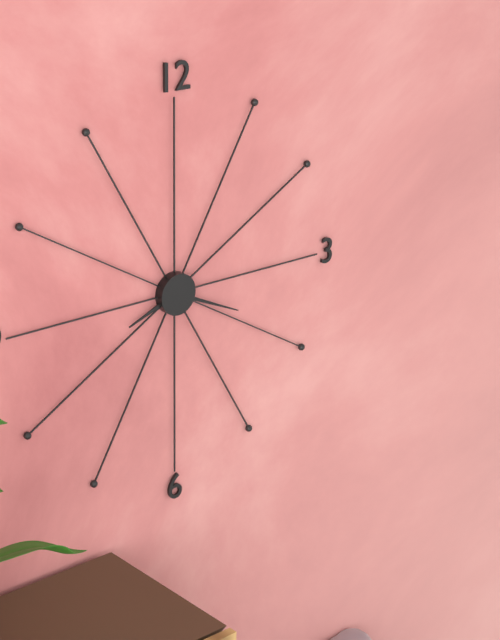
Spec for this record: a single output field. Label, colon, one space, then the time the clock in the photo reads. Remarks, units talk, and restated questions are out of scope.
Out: 8:19
